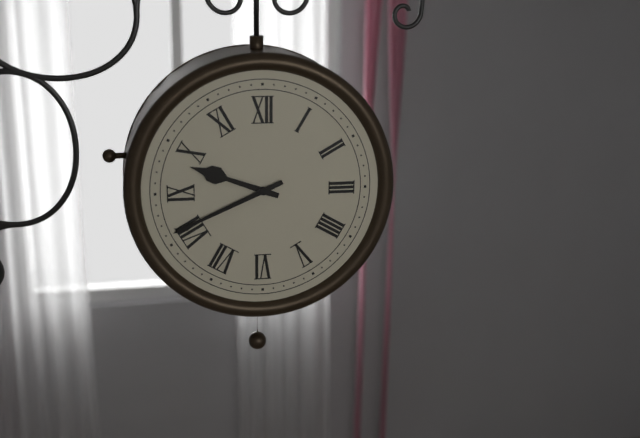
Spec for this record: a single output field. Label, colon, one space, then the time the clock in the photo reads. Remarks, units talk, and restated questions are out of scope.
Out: 9:41
